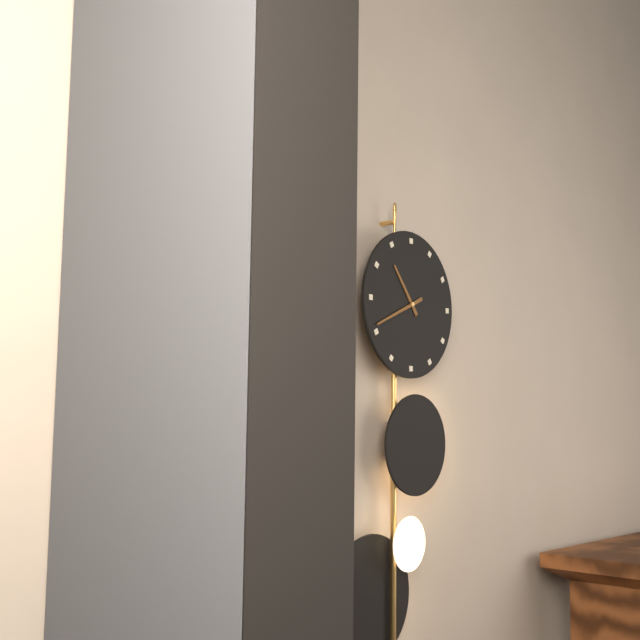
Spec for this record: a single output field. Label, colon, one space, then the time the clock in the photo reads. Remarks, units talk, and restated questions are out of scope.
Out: 10:41
